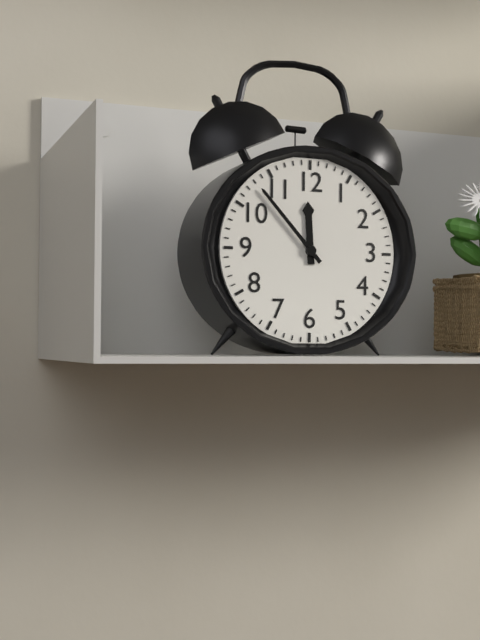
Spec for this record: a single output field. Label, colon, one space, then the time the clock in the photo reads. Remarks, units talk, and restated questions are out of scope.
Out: 11:53
